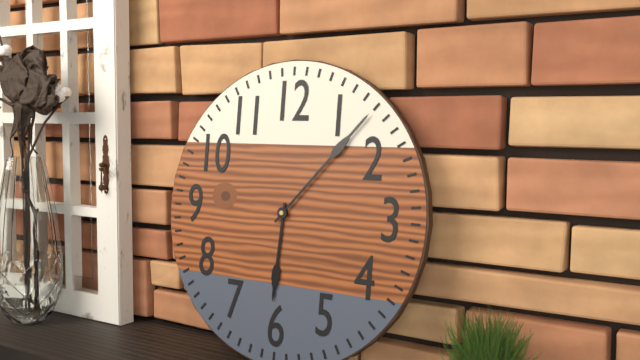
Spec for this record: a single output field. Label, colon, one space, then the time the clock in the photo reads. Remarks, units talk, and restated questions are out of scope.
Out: 6:07
